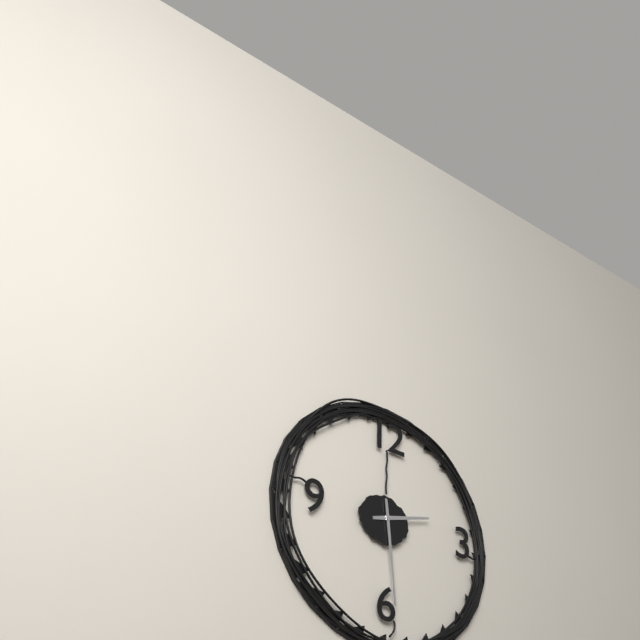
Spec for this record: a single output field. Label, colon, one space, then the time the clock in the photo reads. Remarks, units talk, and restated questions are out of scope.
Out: 2:29
